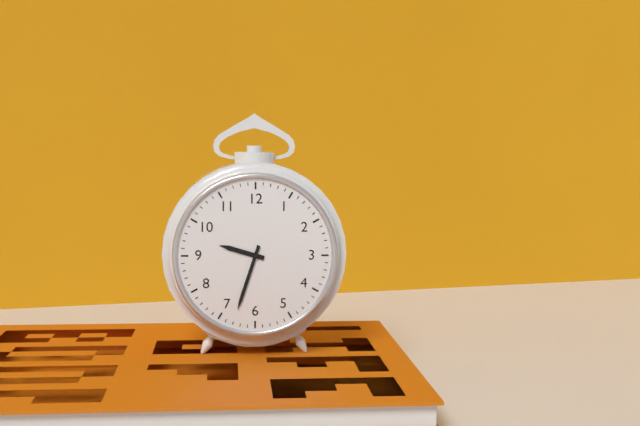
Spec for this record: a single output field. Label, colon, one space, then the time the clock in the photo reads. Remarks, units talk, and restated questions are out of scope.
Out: 9:33
